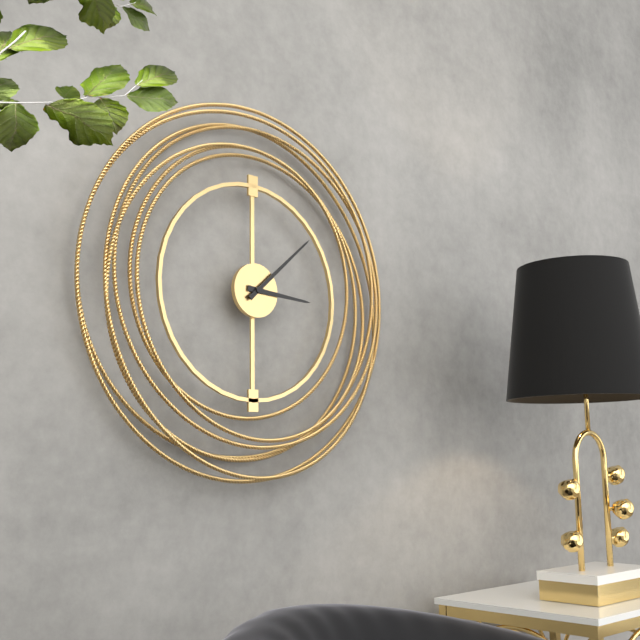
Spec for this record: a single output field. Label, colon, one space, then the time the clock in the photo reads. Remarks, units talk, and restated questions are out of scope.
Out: 3:08
